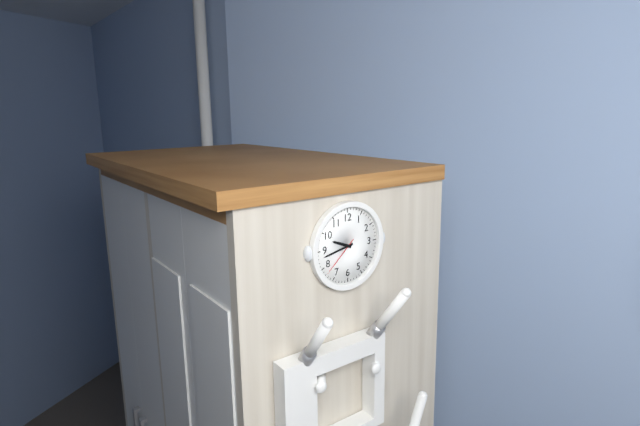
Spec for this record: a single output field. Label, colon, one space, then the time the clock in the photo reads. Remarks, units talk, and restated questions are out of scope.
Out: 9:43
